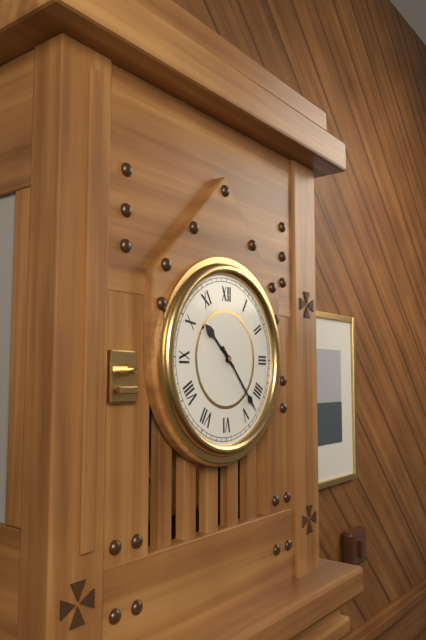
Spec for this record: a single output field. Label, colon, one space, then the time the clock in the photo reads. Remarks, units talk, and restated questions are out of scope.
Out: 10:23
